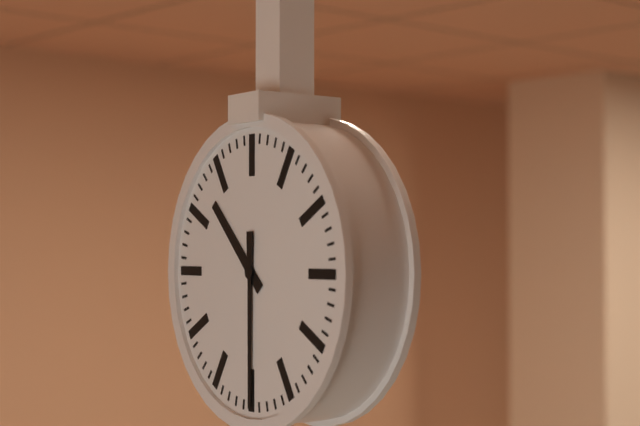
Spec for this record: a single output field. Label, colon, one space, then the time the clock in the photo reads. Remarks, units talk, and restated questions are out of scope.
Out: 10:30
